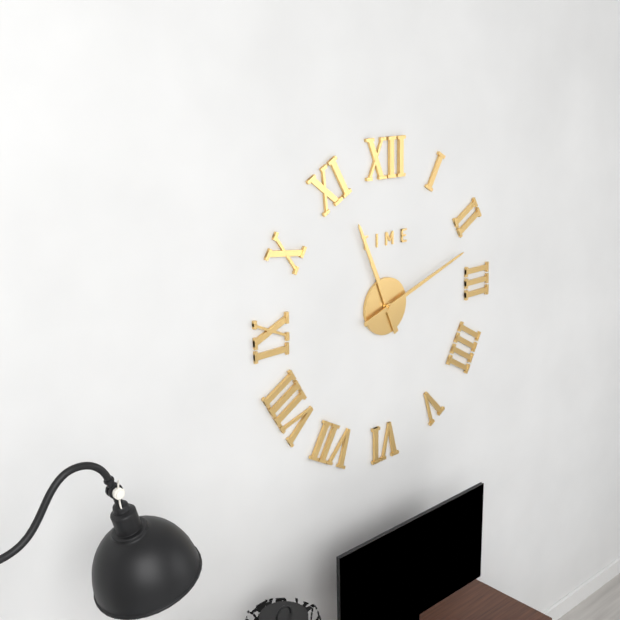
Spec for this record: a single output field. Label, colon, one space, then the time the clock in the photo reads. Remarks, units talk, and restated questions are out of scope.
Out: 11:12
